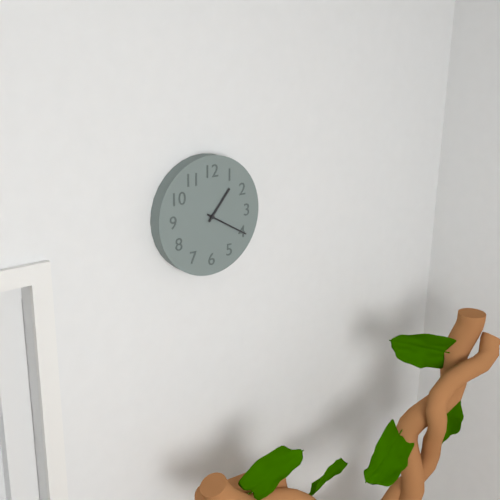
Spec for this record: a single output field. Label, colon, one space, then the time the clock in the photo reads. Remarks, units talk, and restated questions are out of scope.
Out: 1:20
